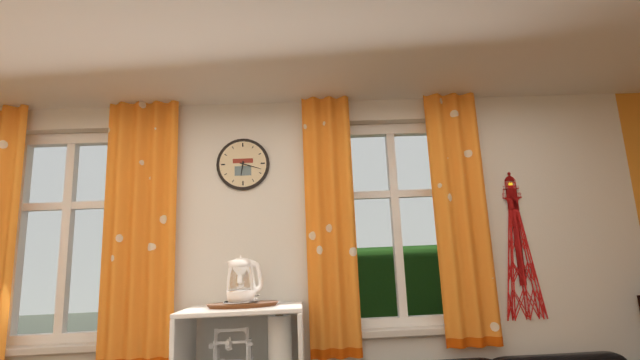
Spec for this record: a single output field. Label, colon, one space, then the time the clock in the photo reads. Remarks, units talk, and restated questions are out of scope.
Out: 6:18
